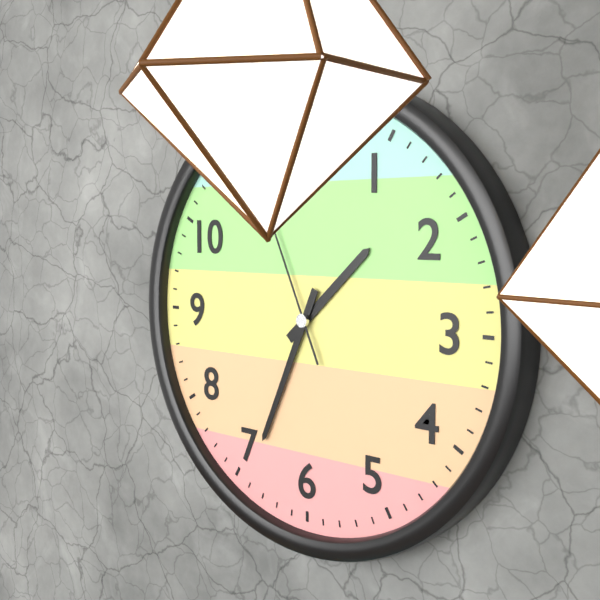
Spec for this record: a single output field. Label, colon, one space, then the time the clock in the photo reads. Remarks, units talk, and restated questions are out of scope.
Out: 1:34
